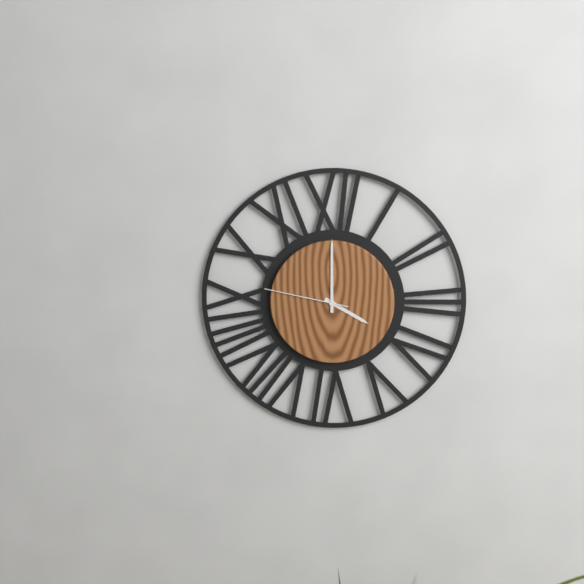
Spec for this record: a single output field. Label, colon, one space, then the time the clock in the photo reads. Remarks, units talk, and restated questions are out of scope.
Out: 4:00:47
